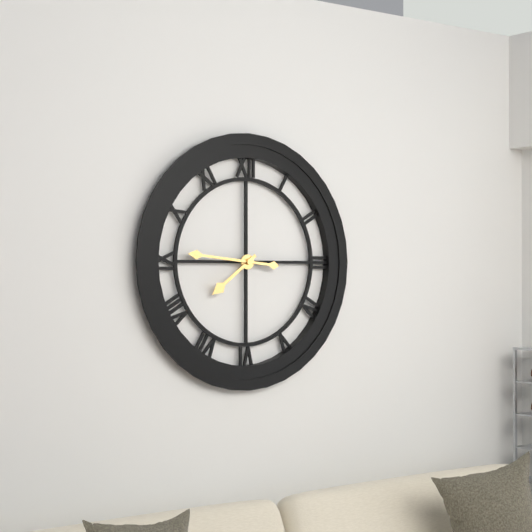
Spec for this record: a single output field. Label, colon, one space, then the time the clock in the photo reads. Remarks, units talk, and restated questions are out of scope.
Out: 7:46
